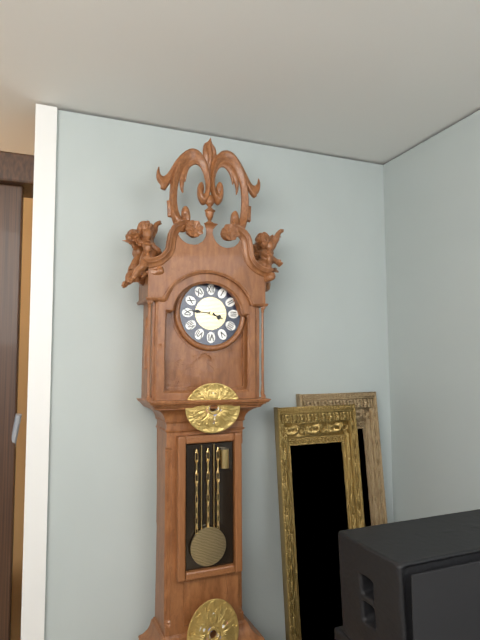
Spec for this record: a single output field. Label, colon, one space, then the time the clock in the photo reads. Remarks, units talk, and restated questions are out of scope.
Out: 3:46
